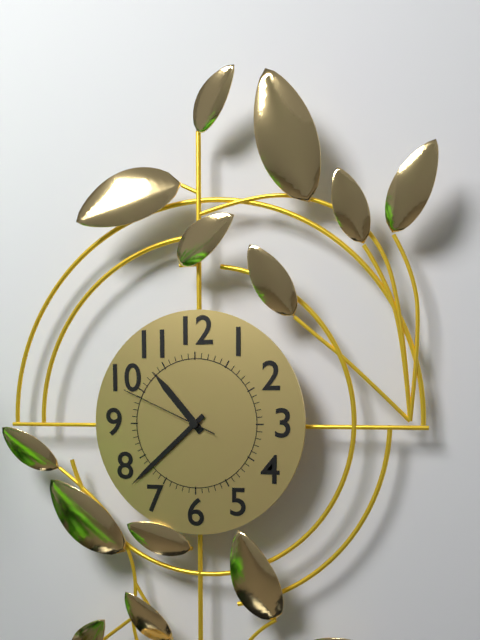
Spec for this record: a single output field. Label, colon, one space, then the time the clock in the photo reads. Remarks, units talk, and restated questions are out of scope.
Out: 10:38:49
